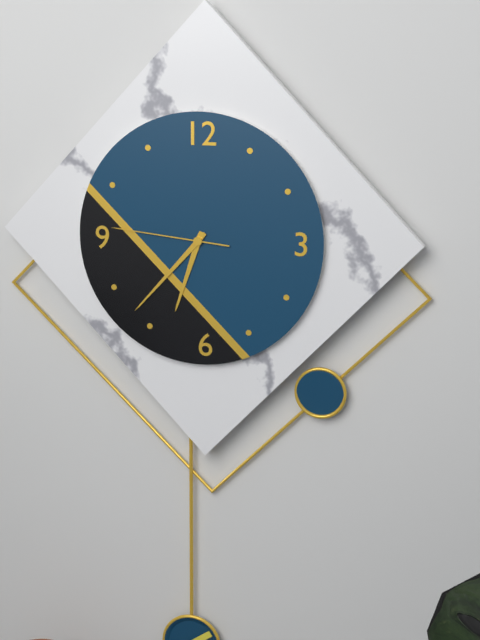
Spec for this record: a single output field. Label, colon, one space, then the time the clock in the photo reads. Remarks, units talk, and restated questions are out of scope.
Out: 6:37:46
